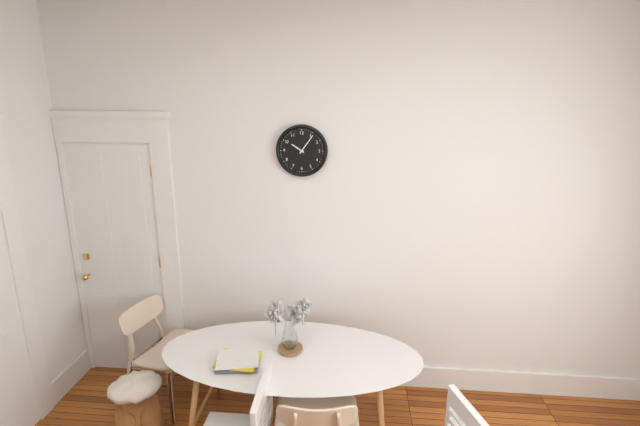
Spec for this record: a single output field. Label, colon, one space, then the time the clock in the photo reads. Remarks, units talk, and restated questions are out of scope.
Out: 10:06
